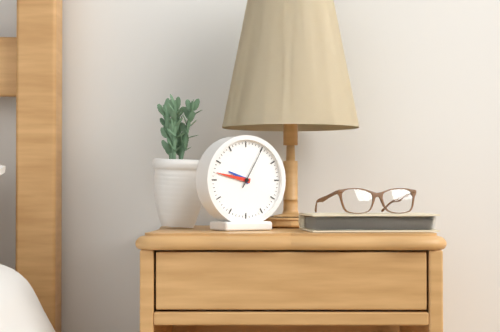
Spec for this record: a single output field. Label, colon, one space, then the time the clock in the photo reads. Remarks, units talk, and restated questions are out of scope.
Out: 9:47
